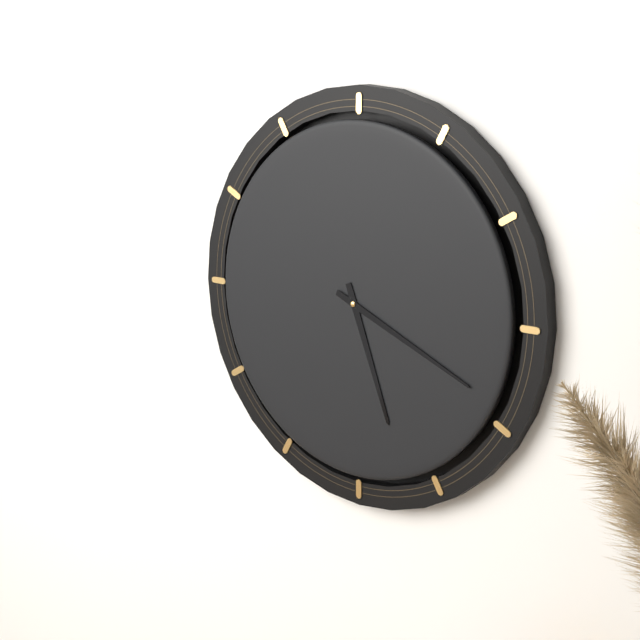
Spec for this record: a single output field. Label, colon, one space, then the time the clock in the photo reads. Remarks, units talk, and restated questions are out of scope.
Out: 5:19
